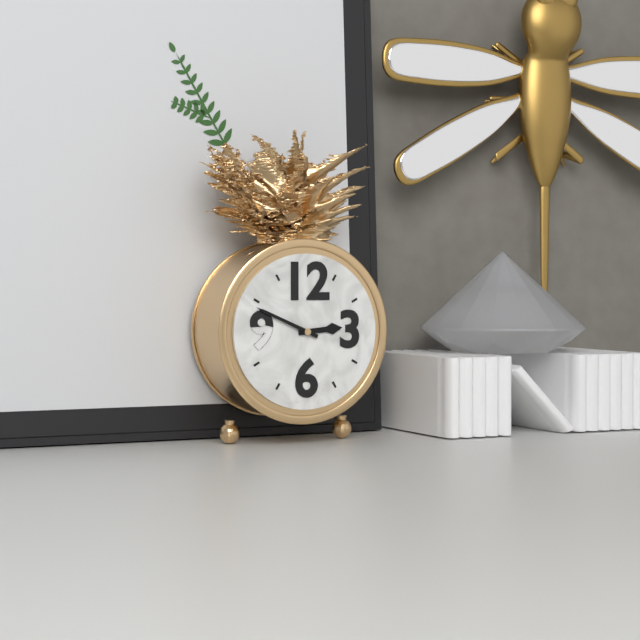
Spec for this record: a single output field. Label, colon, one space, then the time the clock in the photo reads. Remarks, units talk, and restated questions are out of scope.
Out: 2:49
